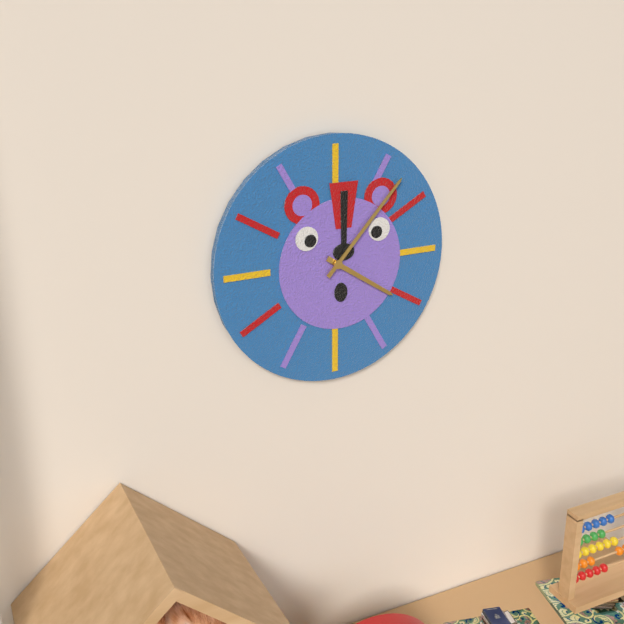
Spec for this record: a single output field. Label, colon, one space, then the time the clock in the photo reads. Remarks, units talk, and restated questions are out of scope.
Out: 4:07
